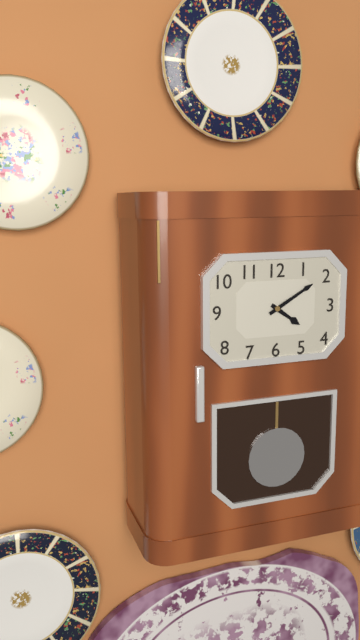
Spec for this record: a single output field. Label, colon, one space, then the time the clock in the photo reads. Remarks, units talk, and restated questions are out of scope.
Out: 4:10
